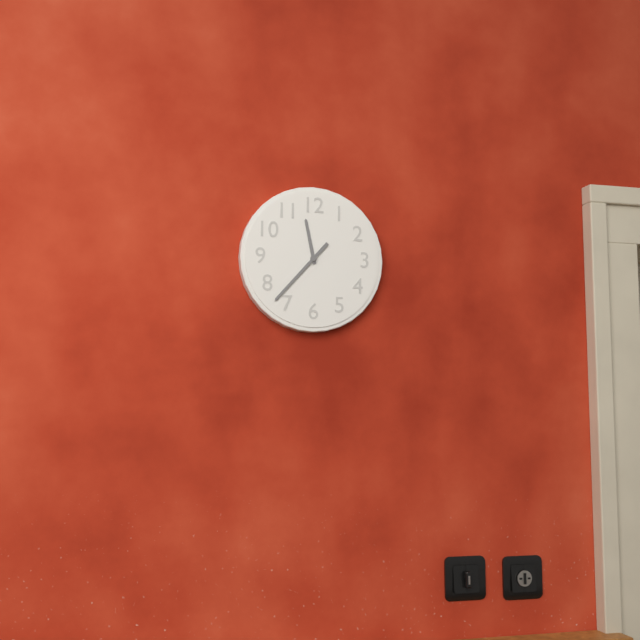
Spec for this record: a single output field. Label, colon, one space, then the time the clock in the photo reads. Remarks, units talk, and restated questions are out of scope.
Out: 11:37
